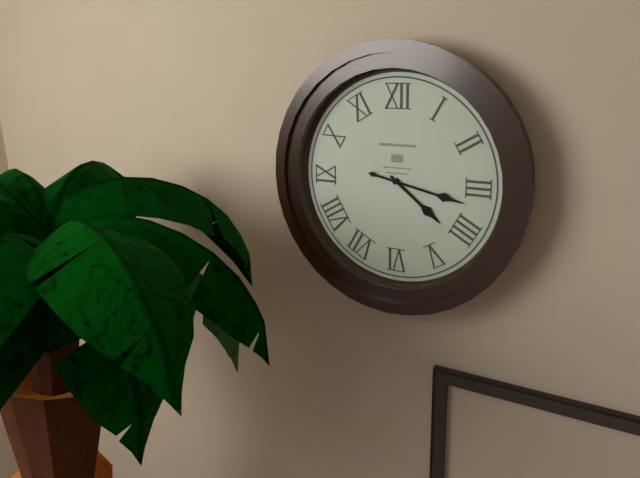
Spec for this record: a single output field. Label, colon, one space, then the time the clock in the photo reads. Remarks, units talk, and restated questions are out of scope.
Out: 4:17
